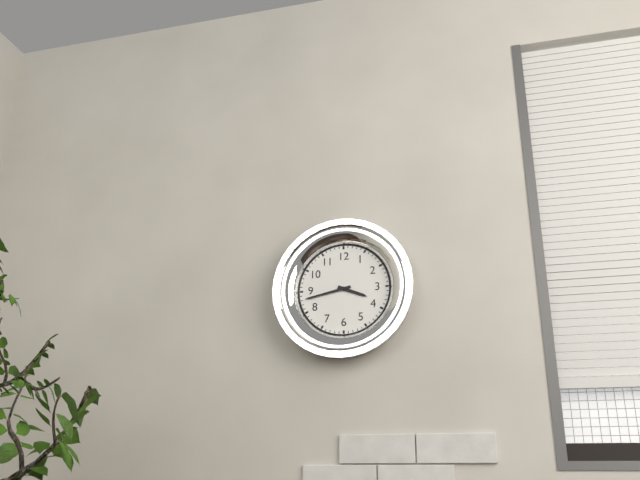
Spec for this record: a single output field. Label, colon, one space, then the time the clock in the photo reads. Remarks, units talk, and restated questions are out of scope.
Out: 3:43
